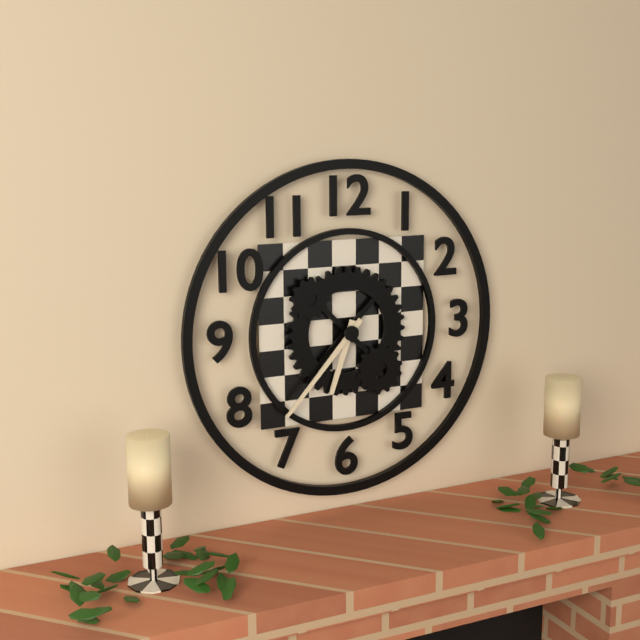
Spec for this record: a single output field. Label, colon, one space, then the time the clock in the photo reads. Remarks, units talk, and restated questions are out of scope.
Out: 6:37
